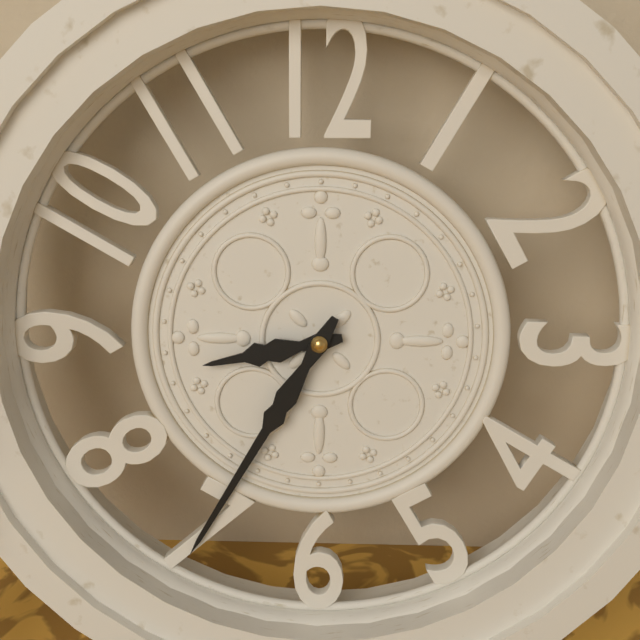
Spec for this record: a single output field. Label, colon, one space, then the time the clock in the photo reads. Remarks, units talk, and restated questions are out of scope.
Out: 8:35
